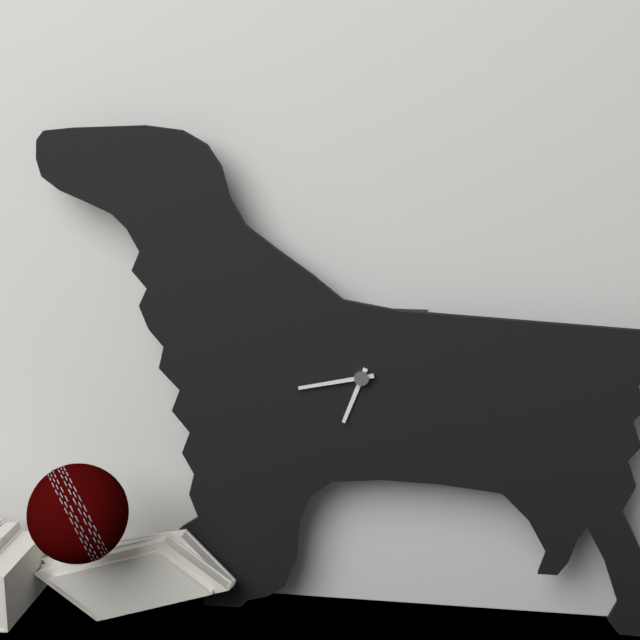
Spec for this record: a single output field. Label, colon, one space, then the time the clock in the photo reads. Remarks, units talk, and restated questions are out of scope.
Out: 6:43
